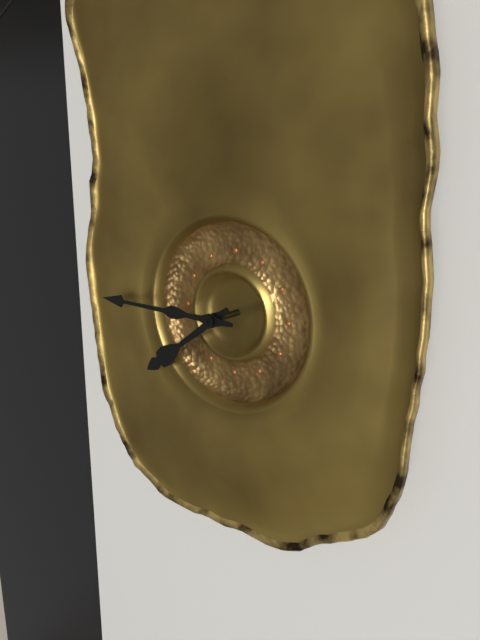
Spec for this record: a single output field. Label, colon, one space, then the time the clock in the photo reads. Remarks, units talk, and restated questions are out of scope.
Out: 7:45
